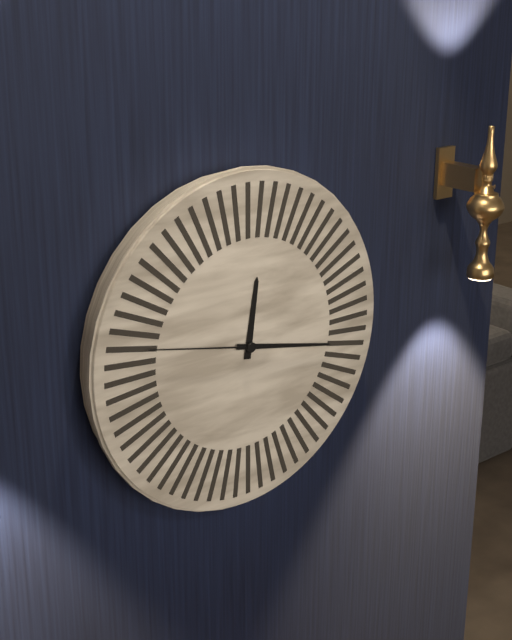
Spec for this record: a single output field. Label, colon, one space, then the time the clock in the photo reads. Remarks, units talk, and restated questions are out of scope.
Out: 12:17:47
